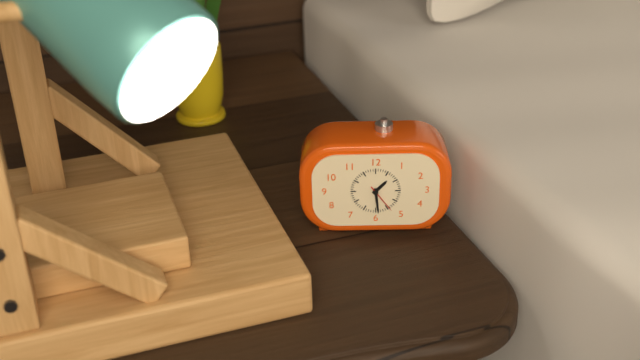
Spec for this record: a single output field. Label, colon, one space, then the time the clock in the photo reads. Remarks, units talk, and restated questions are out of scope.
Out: 1:29
